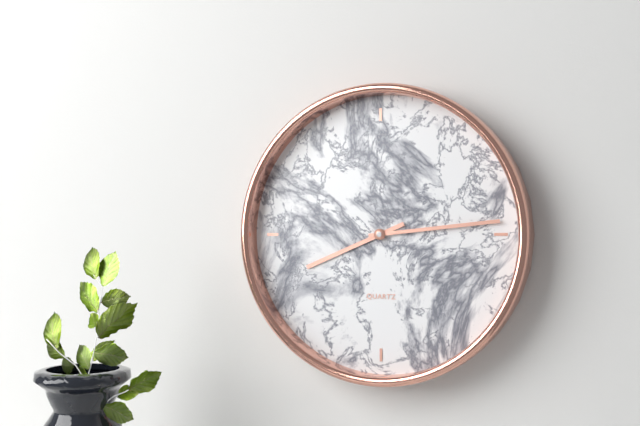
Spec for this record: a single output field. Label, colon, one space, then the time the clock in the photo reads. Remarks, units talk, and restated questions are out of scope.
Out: 8:14
